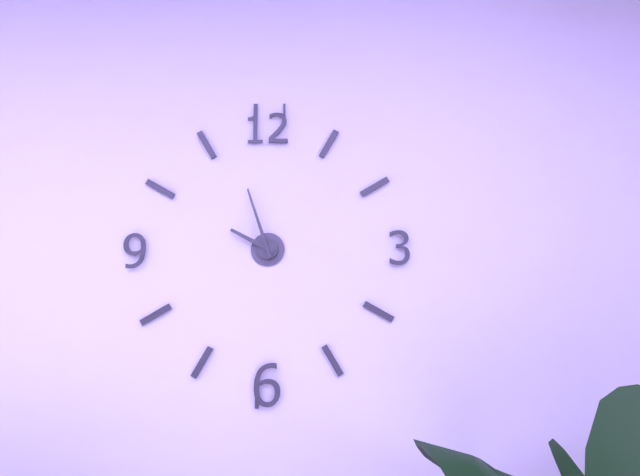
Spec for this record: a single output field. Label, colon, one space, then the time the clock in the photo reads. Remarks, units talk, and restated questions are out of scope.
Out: 9:57
